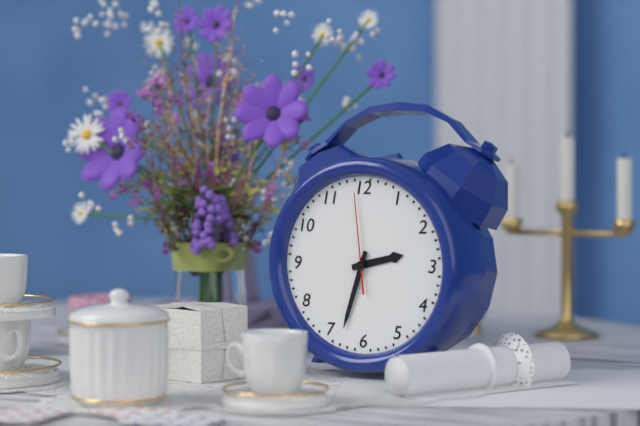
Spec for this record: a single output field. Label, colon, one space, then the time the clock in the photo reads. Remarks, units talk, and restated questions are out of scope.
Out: 2:33:59
